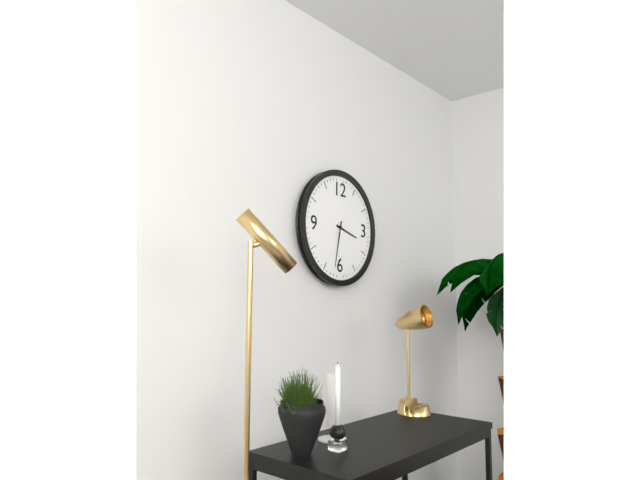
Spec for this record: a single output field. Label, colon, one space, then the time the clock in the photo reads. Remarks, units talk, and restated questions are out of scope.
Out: 3:32
